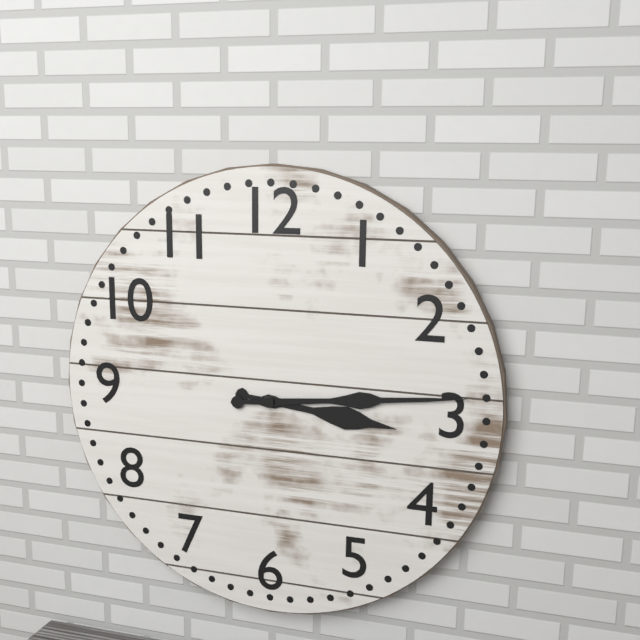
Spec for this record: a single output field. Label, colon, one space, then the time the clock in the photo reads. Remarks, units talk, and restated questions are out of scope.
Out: 3:14
